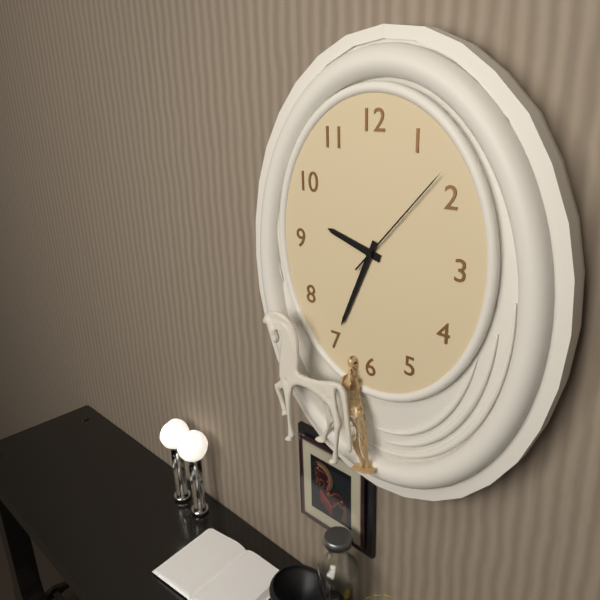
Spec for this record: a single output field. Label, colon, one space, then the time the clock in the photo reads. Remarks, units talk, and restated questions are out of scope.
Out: 9:34:07
